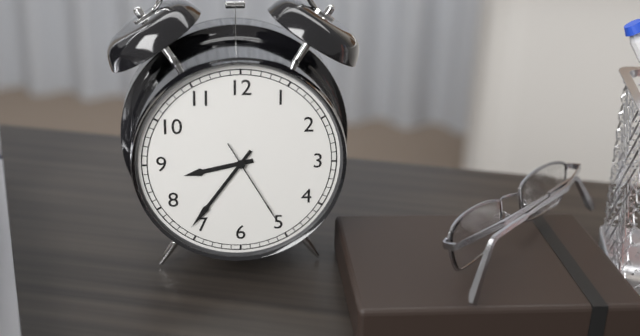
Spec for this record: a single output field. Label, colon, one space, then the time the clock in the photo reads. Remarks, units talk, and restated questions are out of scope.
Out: 8:36:25
